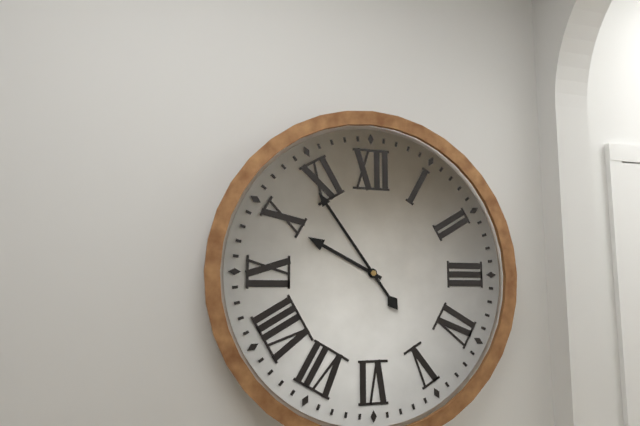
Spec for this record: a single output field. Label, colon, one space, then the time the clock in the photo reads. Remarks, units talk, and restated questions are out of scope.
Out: 9:54
